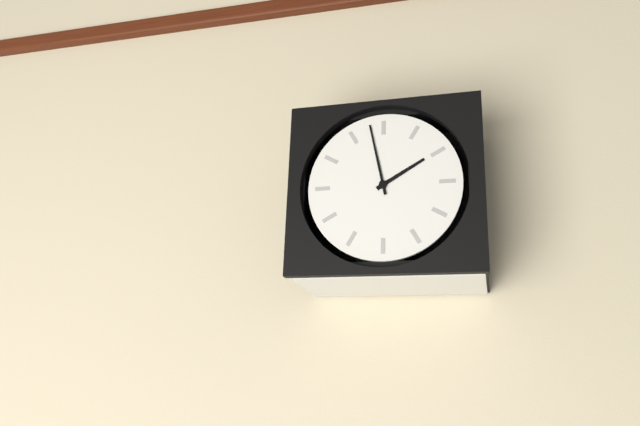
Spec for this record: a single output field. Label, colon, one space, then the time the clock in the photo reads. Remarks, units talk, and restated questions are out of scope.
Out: 1:58
